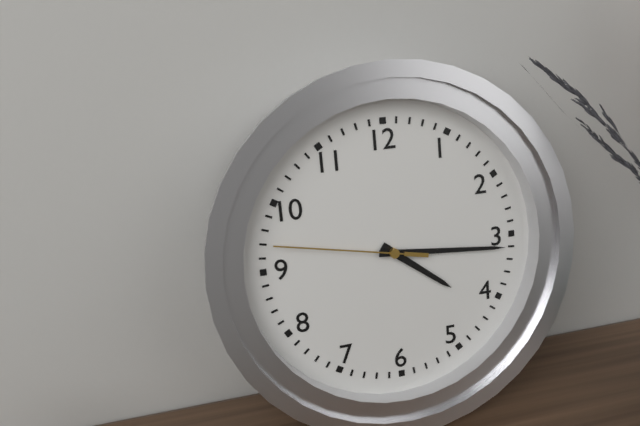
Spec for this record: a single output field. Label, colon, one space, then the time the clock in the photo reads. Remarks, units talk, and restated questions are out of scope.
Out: 4:16:47
